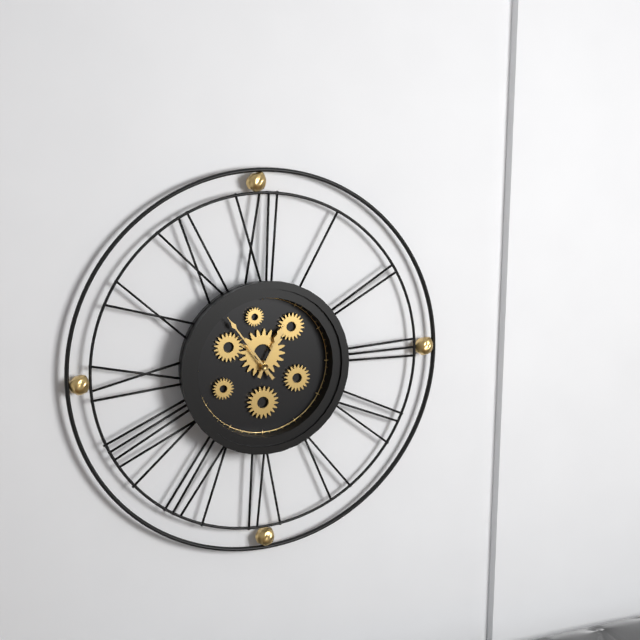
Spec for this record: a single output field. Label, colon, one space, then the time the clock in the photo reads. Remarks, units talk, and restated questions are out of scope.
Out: 12:54
